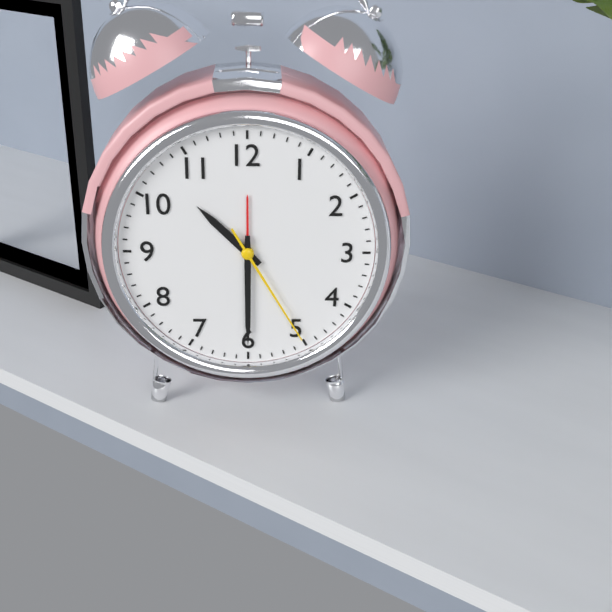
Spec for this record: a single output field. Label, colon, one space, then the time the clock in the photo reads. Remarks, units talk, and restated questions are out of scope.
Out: 10:30:25
